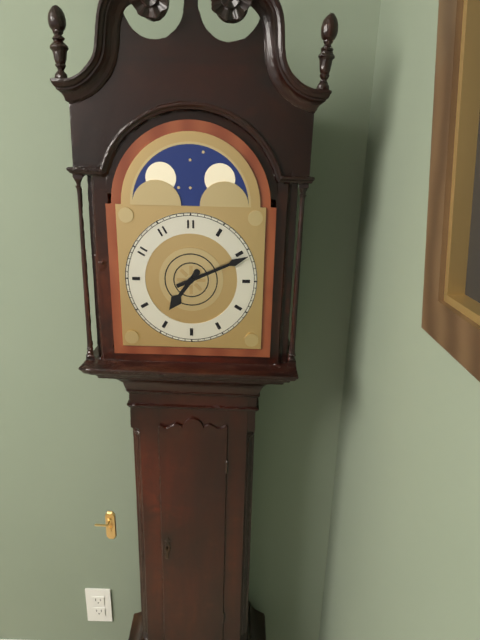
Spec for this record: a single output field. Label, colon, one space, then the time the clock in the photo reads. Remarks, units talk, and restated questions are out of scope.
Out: 7:11
